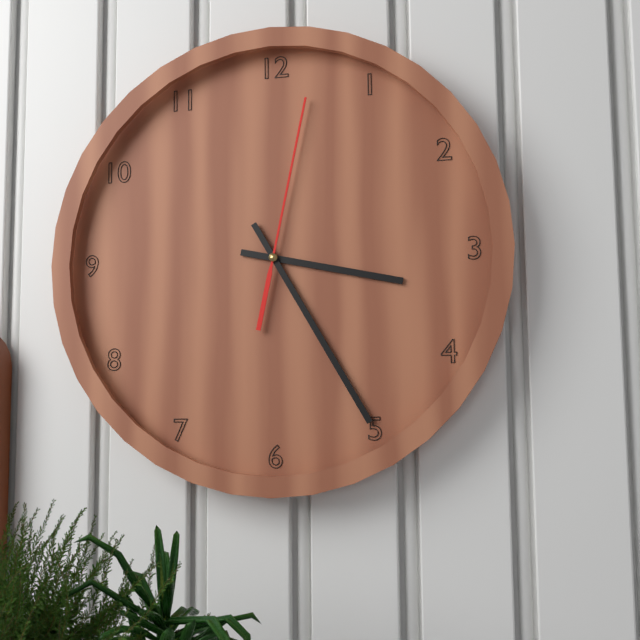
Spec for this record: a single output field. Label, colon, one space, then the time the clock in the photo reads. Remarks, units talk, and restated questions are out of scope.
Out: 3:25:02
